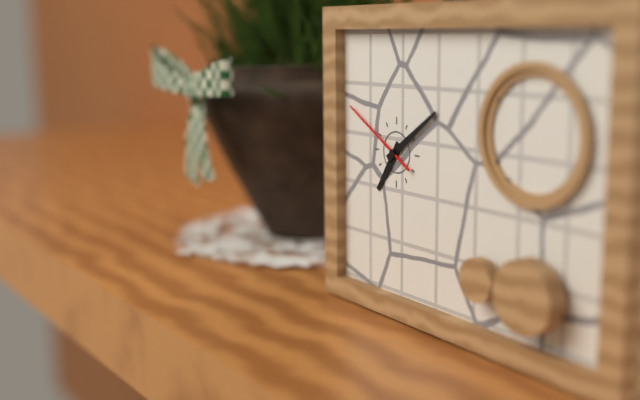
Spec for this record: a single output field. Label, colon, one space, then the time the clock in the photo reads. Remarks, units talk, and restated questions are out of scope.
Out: 7:09:50
